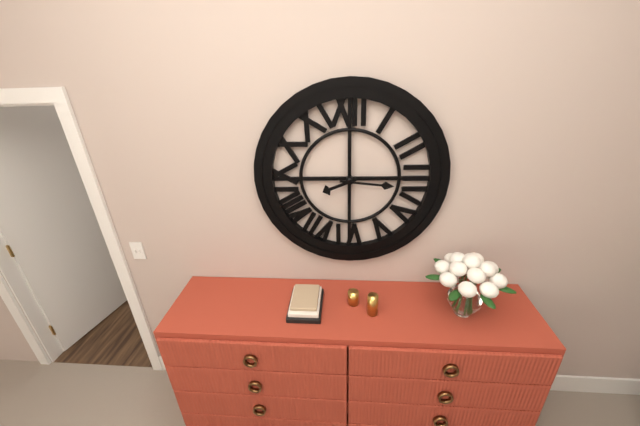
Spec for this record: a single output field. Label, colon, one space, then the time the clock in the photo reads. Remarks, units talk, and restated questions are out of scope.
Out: 8:16
